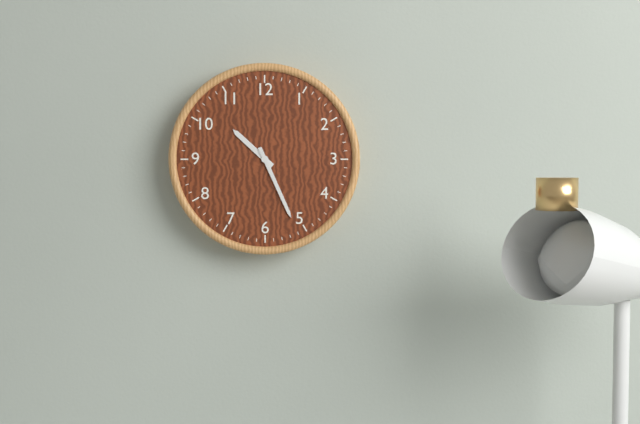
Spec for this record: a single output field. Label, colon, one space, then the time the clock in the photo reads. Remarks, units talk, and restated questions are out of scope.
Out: 10:26
